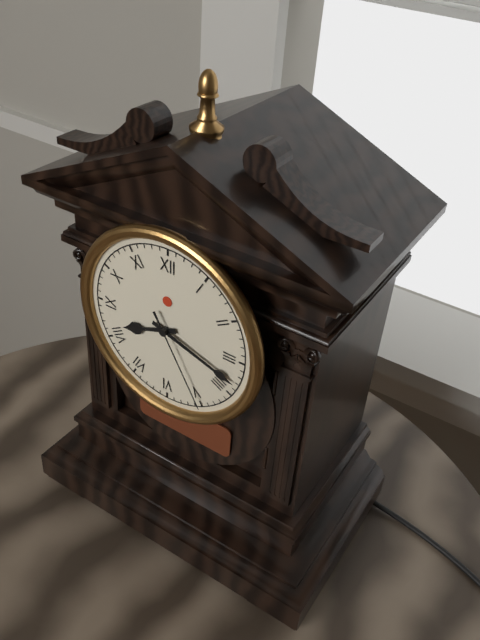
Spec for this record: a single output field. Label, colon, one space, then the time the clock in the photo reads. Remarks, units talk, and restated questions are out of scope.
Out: 8:18:25
